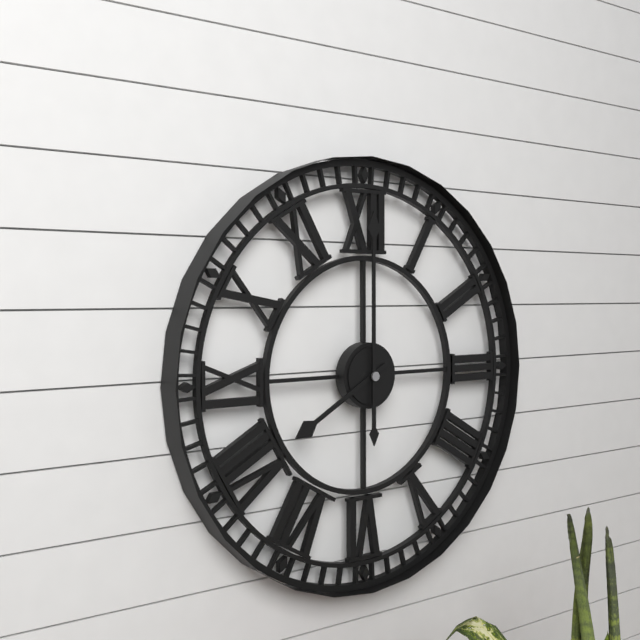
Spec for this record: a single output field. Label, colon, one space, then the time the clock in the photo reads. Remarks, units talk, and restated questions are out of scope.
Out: 8:00
